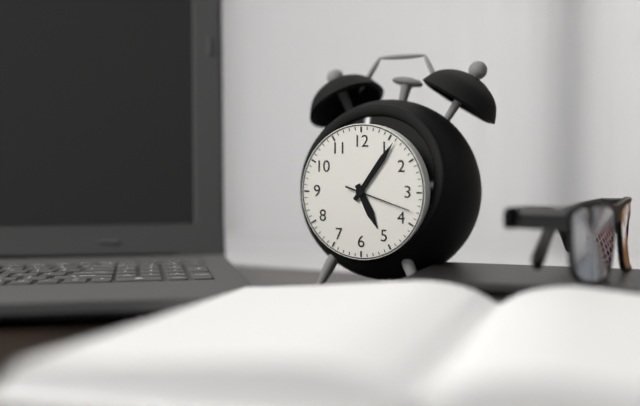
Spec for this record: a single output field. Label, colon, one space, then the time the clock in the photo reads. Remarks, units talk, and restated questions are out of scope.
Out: 5:06:18
